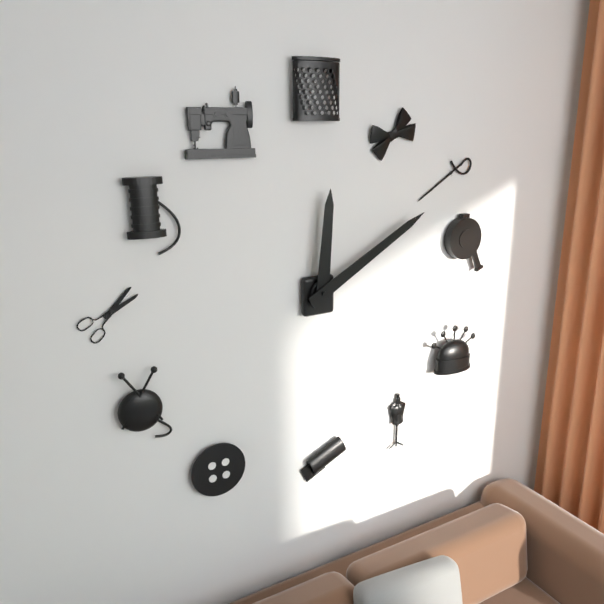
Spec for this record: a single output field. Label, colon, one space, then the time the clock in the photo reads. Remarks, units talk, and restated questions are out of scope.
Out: 12:10
